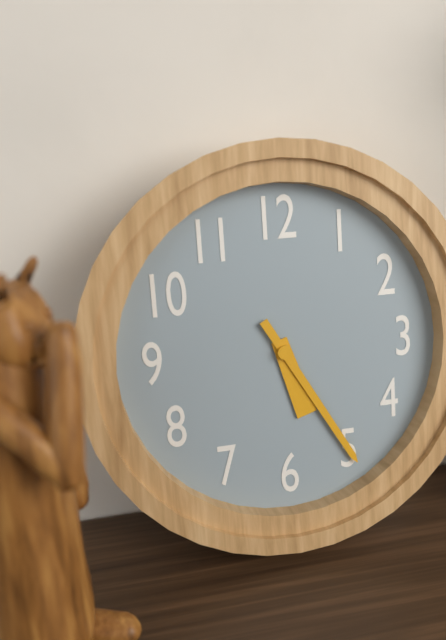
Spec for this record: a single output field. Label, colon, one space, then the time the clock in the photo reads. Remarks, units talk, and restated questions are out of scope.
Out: 5:25
